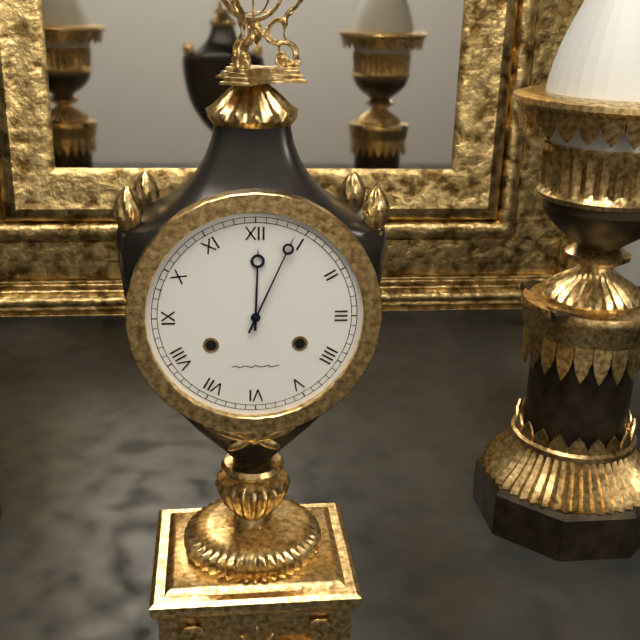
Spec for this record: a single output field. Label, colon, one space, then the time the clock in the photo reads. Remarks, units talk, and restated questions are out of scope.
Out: 12:04
